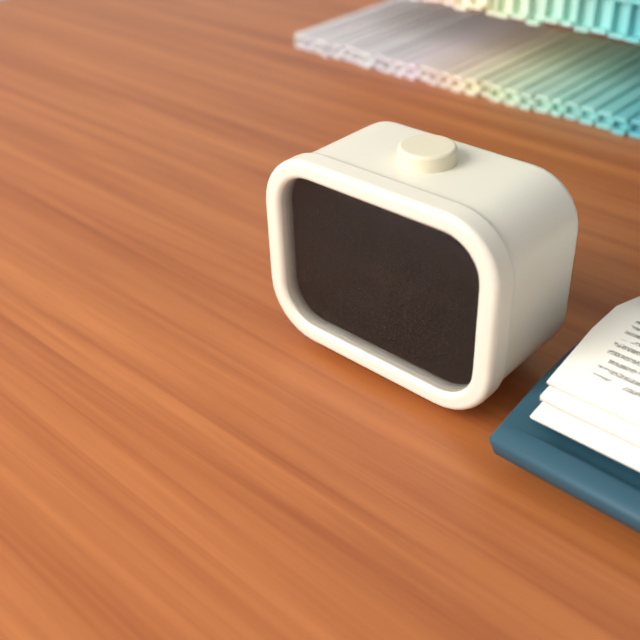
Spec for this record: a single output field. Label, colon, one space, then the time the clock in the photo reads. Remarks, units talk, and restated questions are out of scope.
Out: 5:53:34
